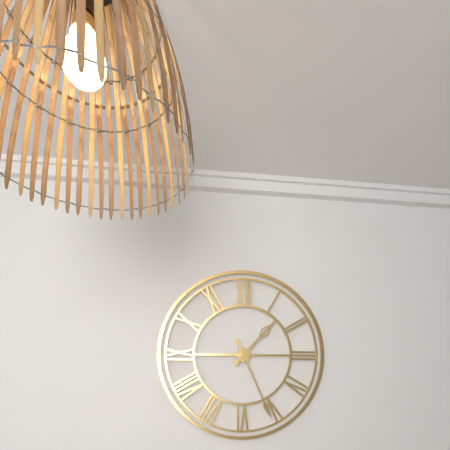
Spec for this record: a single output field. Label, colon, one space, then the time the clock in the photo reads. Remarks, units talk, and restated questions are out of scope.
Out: 1:26
